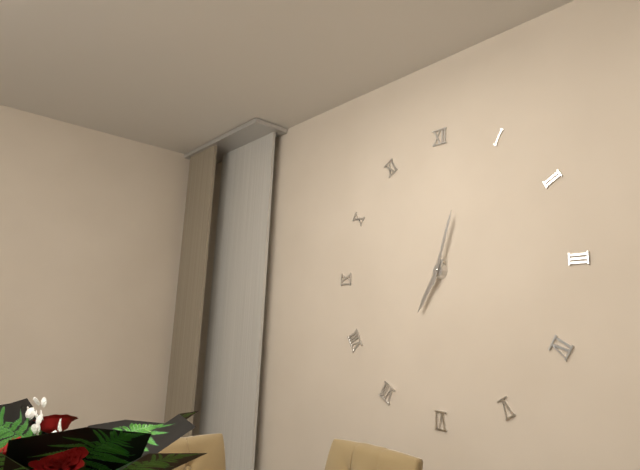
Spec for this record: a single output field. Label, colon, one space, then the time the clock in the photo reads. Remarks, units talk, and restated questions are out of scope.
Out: 7:03
